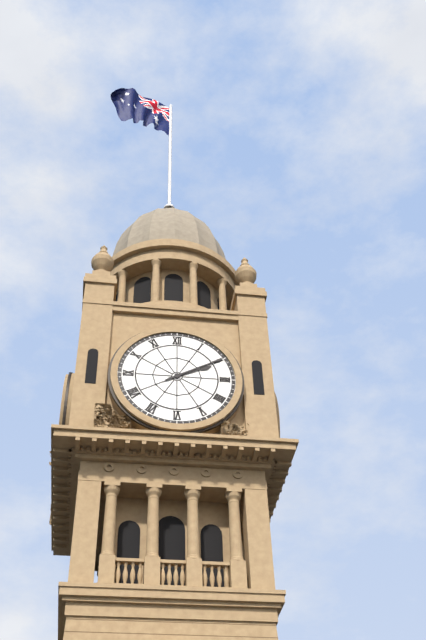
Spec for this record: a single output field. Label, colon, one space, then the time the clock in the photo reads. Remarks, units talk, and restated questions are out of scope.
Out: 2:10
